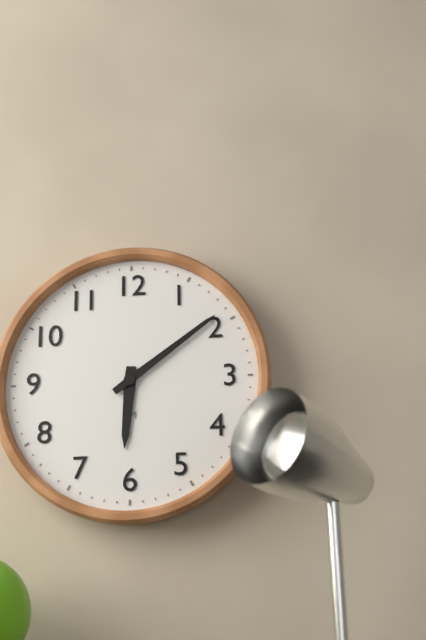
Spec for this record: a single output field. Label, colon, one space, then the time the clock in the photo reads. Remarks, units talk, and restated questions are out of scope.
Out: 6:09
